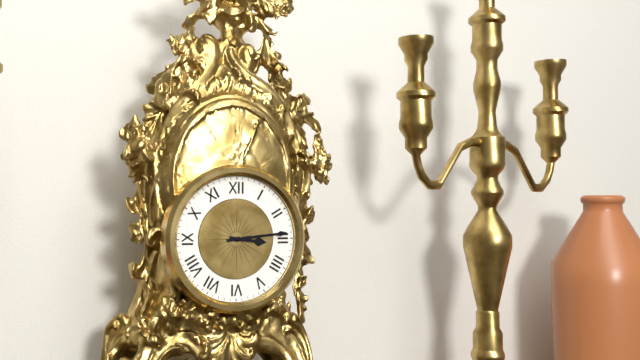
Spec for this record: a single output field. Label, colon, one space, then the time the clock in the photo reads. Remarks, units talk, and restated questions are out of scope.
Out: 3:14
